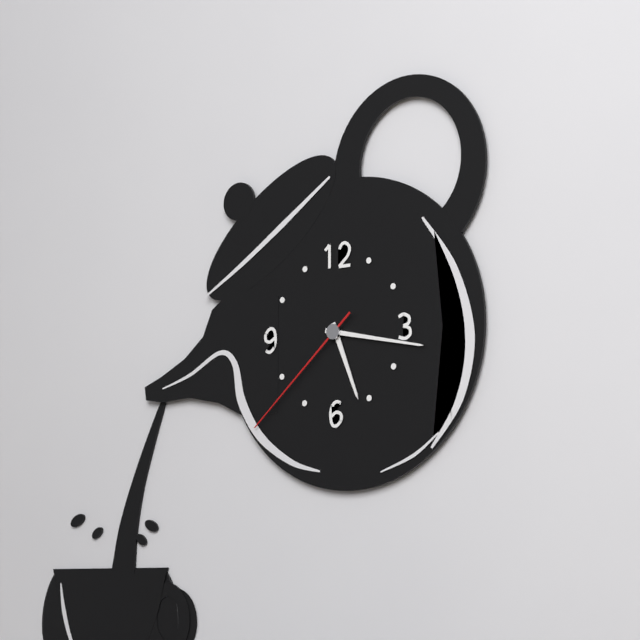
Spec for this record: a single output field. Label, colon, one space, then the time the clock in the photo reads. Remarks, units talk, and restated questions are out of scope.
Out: 5:17:38
